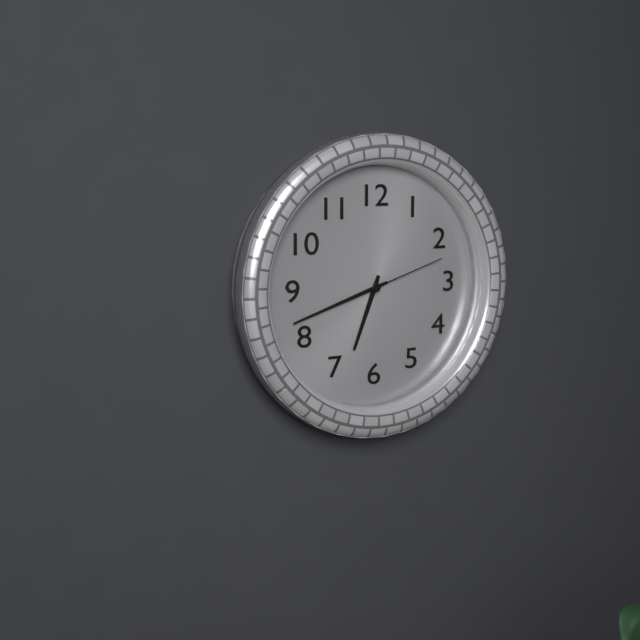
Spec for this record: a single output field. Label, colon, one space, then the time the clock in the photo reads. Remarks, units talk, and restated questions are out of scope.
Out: 6:42:12
